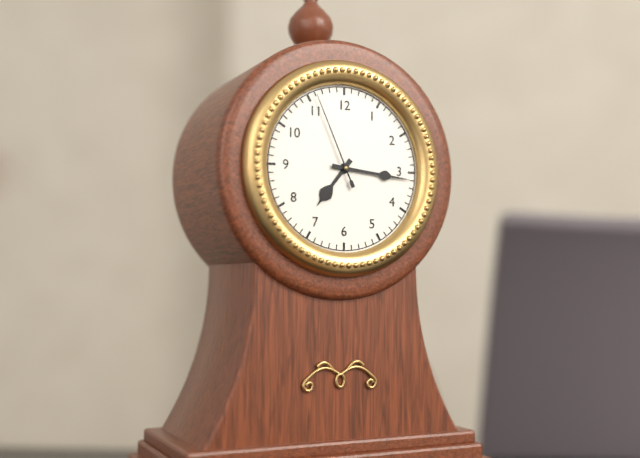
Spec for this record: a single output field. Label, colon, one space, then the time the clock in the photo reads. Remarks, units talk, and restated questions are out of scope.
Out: 7:16:56
